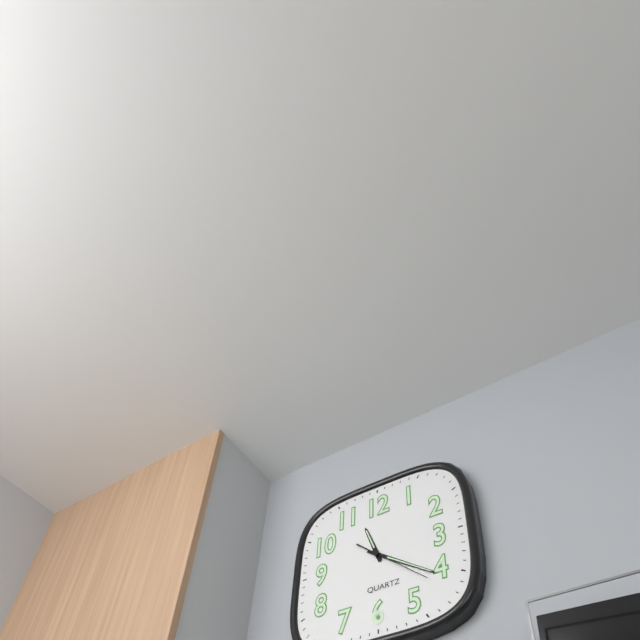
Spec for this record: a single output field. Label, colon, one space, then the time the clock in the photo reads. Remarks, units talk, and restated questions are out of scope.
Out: 11:21:22
